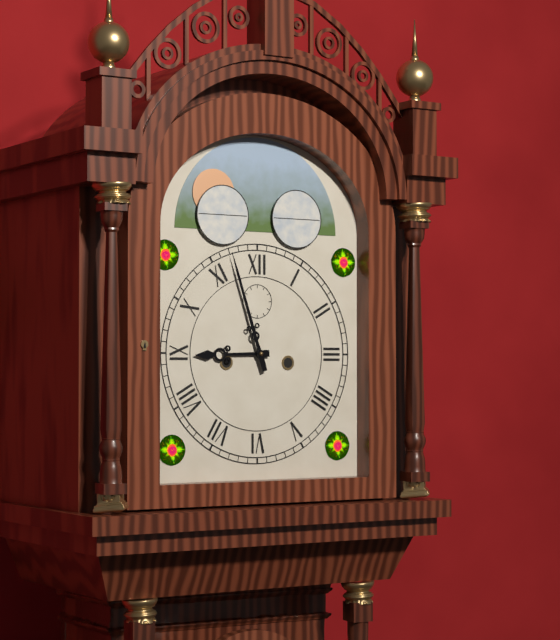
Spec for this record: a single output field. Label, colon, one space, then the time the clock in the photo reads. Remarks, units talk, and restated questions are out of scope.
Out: 8:57
